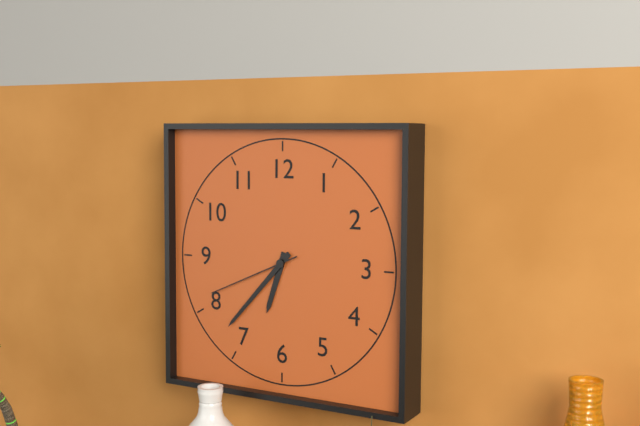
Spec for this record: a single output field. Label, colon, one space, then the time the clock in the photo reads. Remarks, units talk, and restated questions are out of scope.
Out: 6:37:41
